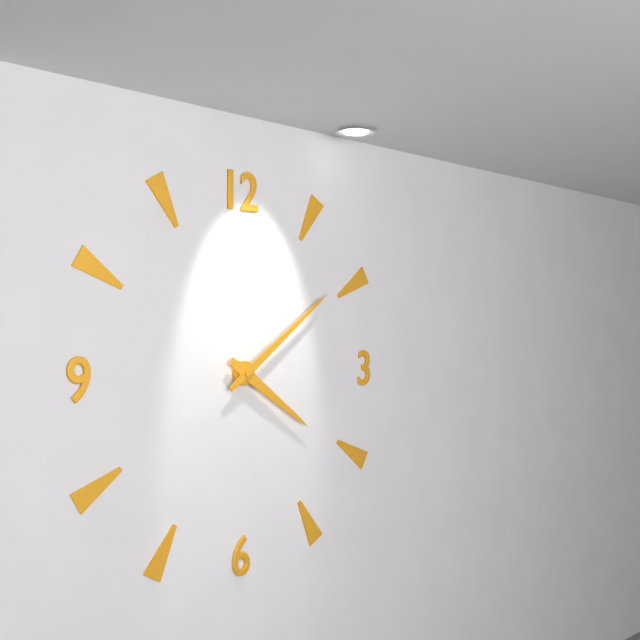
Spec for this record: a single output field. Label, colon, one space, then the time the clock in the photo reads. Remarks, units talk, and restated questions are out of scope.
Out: 4:09
